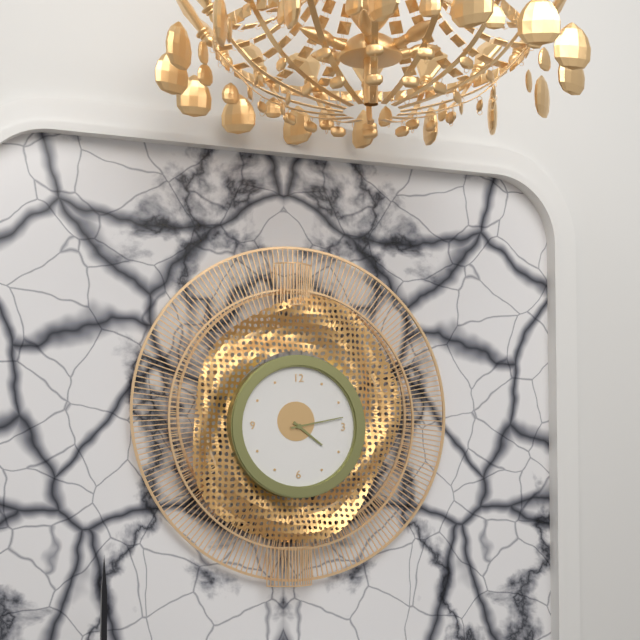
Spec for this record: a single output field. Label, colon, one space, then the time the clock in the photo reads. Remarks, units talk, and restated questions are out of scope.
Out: 4:13
